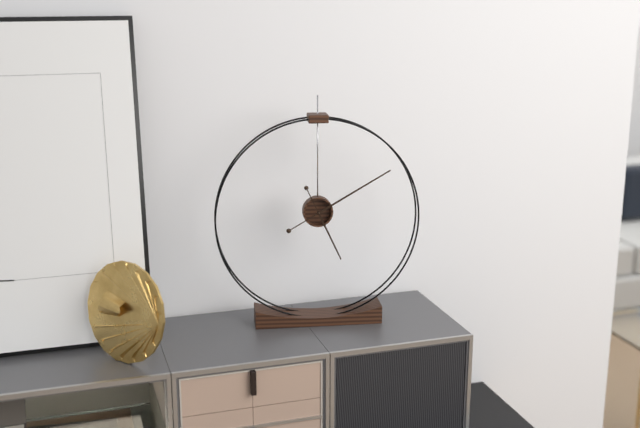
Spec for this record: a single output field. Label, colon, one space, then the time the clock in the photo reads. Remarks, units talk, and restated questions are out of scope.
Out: 5:10
